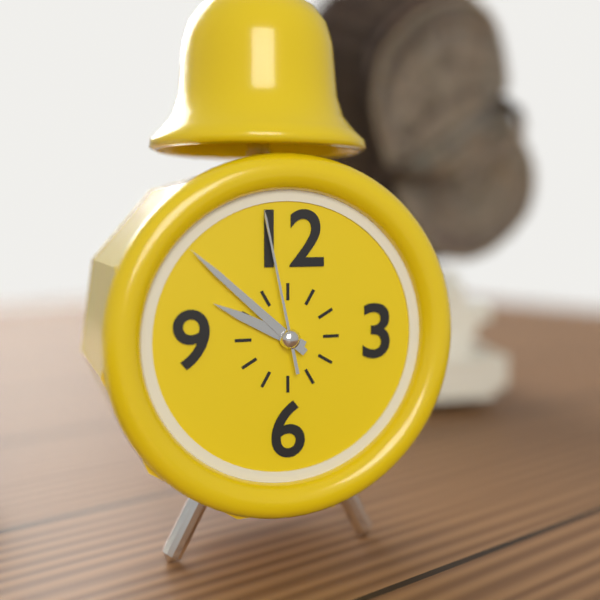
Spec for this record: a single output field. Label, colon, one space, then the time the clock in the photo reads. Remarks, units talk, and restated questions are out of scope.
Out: 9:52:58
